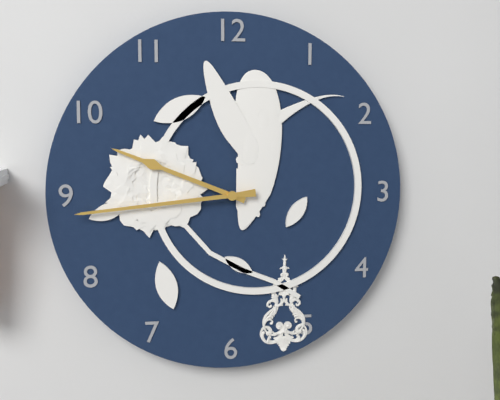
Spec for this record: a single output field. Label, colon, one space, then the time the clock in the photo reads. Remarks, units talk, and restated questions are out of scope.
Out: 9:44
